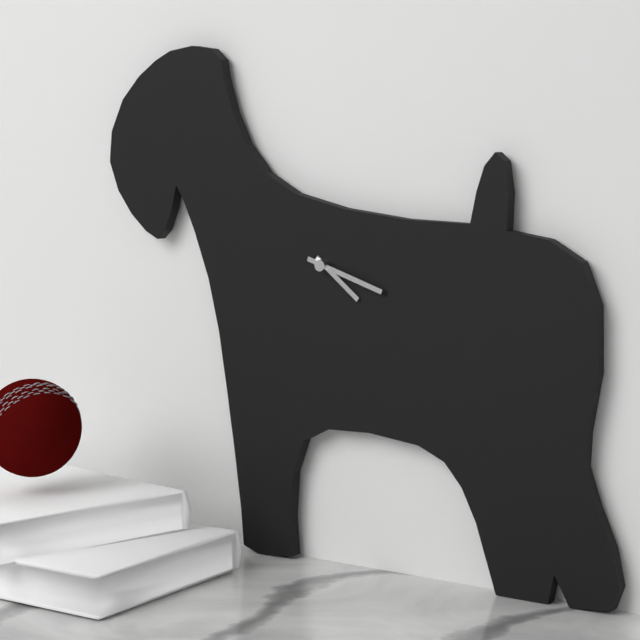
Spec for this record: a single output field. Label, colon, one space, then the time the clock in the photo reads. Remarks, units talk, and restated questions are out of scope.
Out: 4:18
